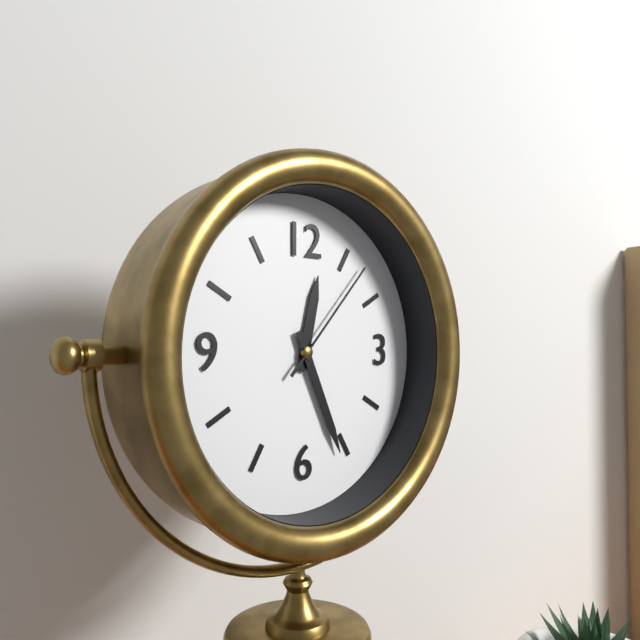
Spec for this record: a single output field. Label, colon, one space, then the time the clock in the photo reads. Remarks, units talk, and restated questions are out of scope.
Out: 12:26:07
